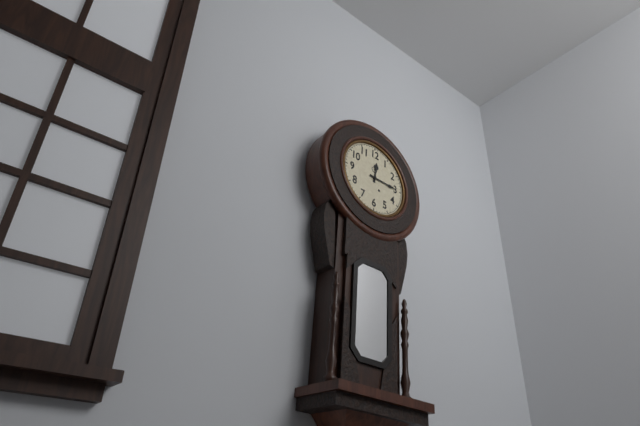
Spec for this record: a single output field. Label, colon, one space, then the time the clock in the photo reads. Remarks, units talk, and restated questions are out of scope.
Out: 12:15
